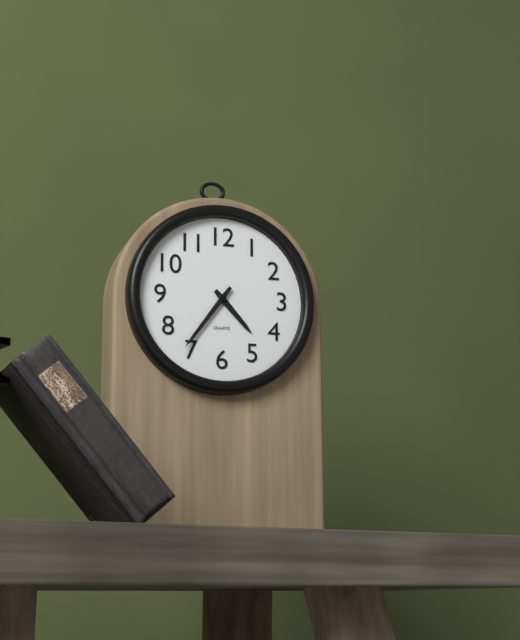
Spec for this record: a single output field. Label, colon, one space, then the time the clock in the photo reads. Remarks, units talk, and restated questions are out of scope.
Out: 4:36
